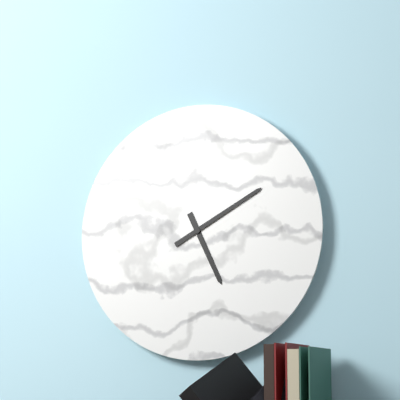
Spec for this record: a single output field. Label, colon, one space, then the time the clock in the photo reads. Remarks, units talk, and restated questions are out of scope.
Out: 5:10
